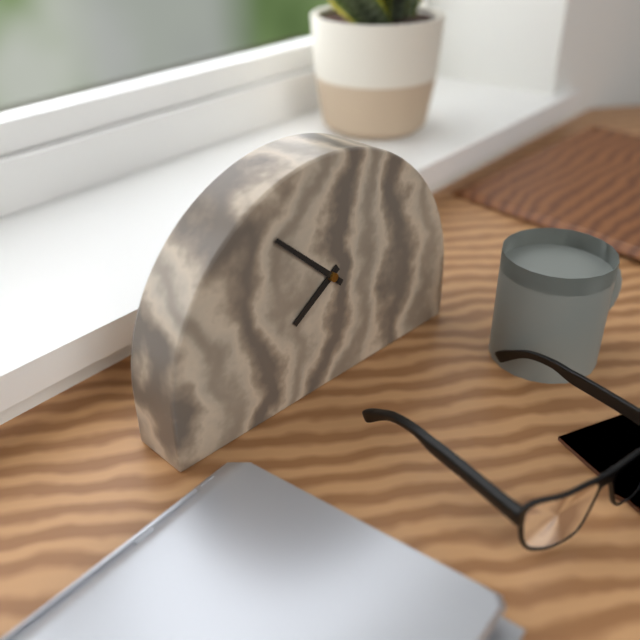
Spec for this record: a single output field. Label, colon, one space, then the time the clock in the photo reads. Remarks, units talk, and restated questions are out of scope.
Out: 7:52
